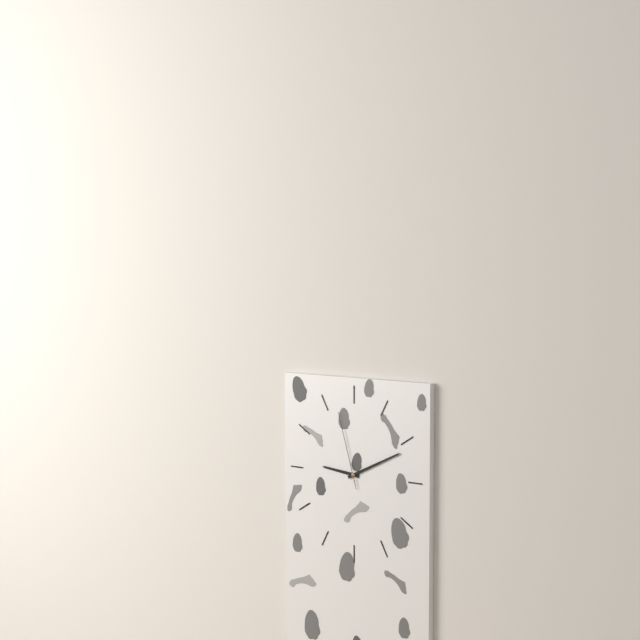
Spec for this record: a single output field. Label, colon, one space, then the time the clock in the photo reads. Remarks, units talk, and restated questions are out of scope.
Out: 9:11:57
